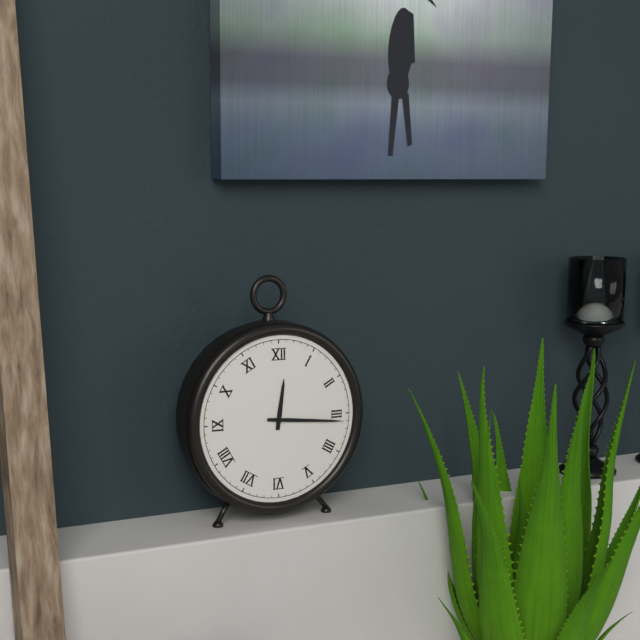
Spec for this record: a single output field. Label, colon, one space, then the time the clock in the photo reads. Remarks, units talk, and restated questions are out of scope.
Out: 12:16
